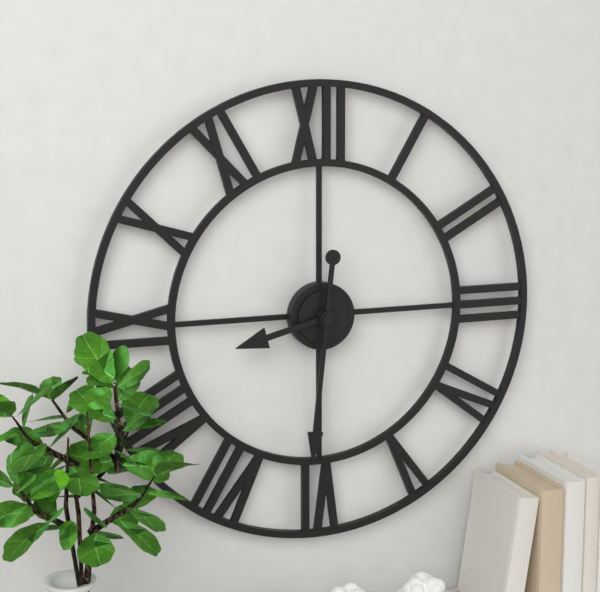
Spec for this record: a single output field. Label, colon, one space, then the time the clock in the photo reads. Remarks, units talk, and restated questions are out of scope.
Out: 8:31
